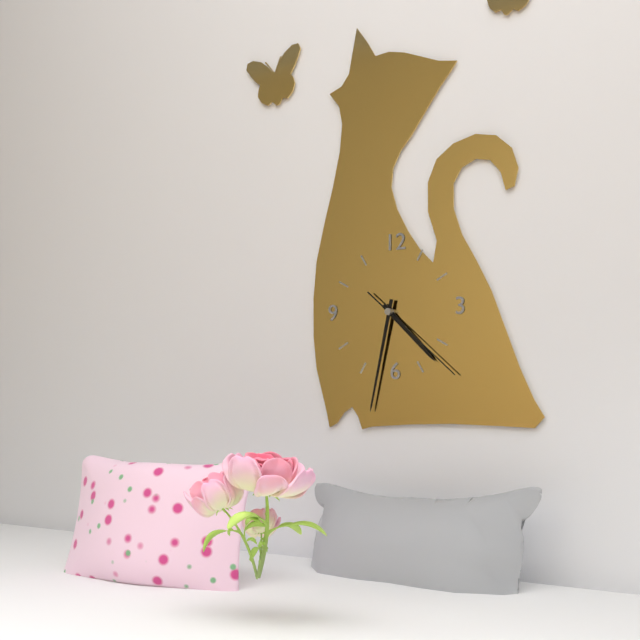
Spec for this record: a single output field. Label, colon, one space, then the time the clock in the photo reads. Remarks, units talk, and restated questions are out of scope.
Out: 4:32:22
